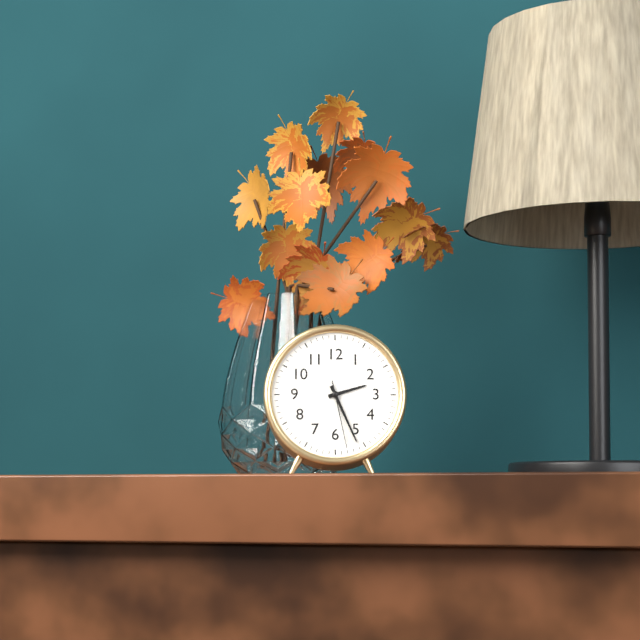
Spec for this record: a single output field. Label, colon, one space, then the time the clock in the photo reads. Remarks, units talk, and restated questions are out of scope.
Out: 2:26:28
